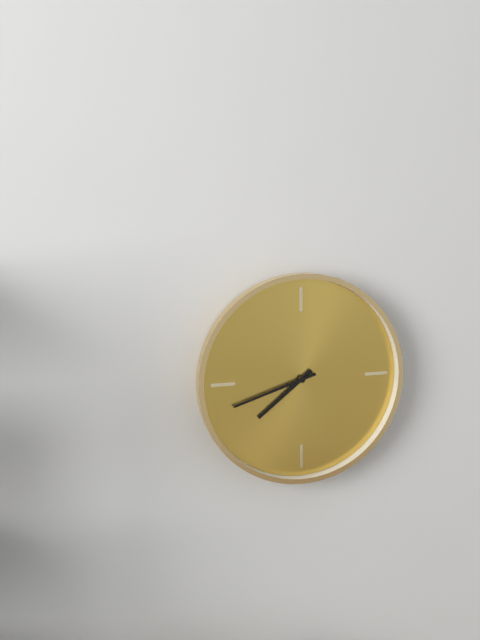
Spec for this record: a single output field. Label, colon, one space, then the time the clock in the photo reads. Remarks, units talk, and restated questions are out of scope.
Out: 7:42
